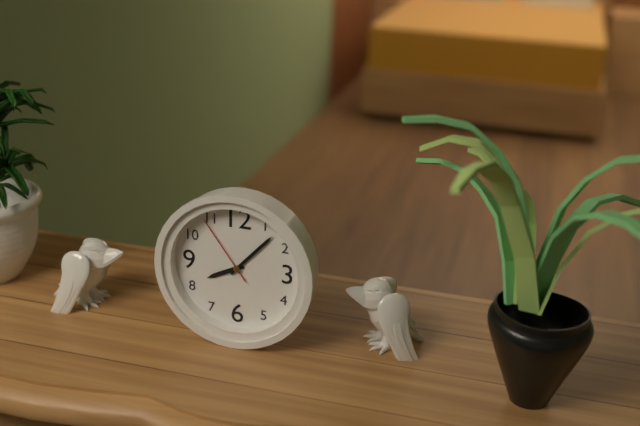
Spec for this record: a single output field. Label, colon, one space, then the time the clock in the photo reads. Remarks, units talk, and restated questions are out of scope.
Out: 8:07:54
